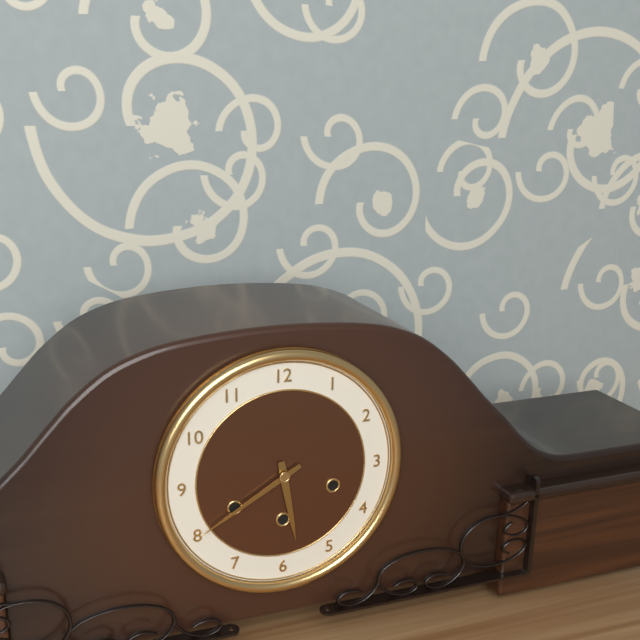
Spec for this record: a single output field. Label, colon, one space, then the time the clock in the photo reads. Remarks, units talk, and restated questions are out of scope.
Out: 5:40
